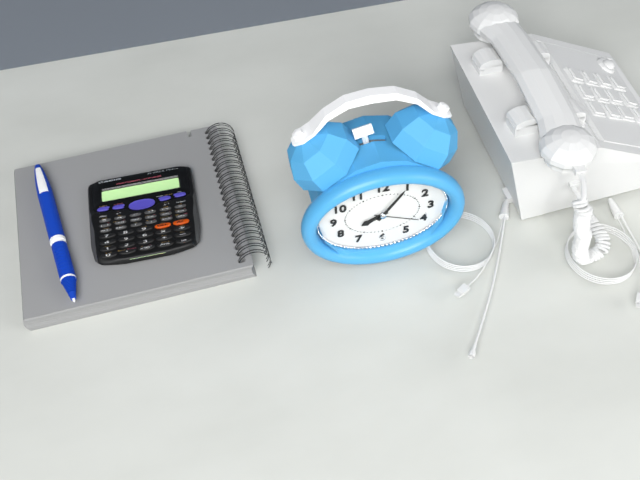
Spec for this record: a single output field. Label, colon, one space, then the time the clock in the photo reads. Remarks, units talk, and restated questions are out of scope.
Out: 8:06
